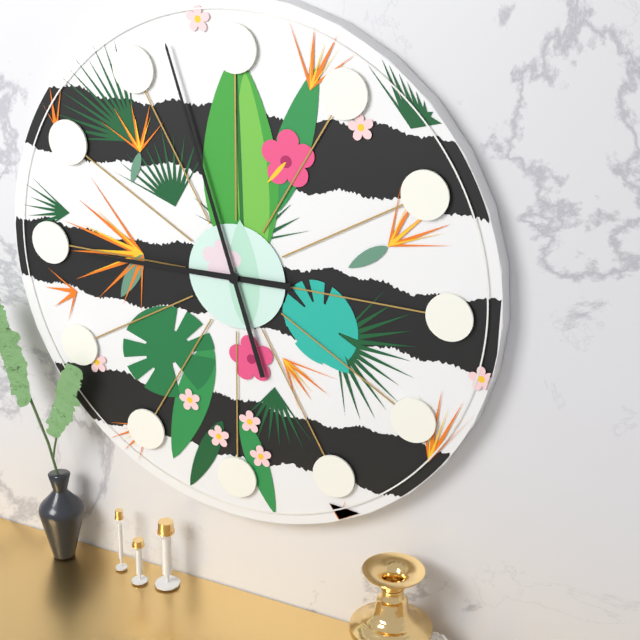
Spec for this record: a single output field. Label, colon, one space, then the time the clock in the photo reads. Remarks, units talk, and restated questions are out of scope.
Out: 8:57
